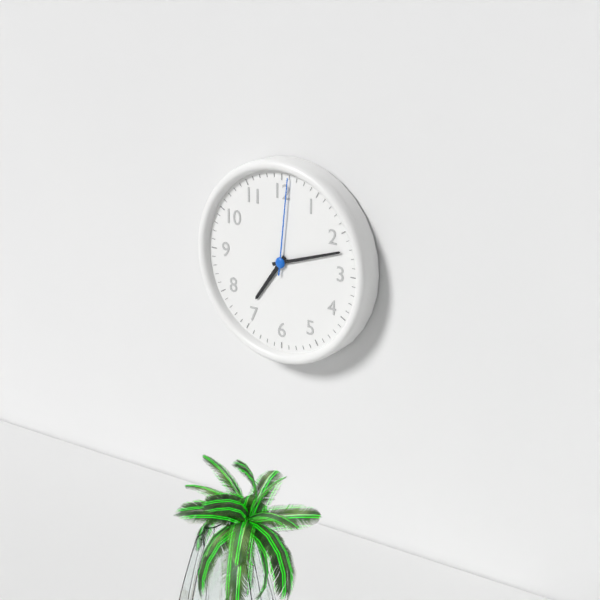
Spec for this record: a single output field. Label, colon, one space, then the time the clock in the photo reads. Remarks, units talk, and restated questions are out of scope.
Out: 7:12:01
